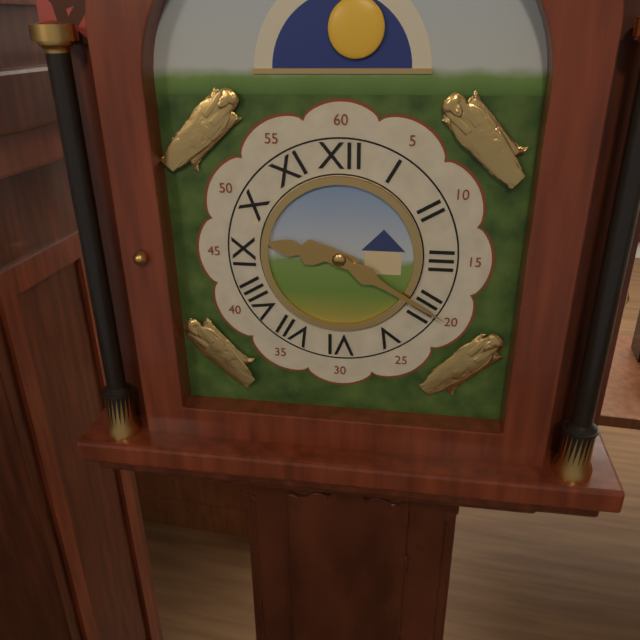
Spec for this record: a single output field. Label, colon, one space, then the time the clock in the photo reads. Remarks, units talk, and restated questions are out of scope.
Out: 9:20
